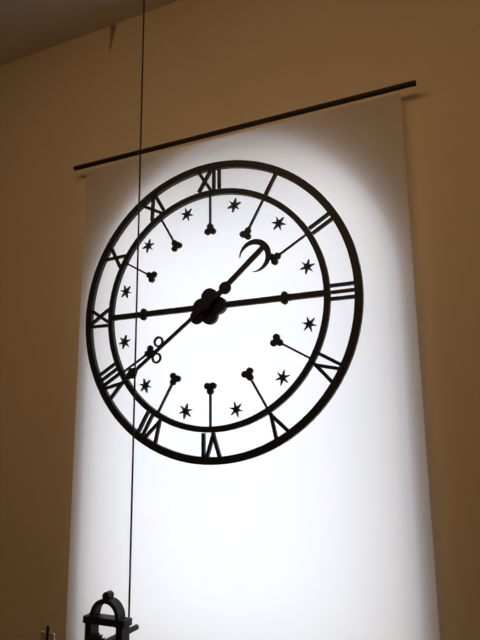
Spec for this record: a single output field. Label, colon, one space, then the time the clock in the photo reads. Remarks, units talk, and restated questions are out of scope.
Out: 1:39
